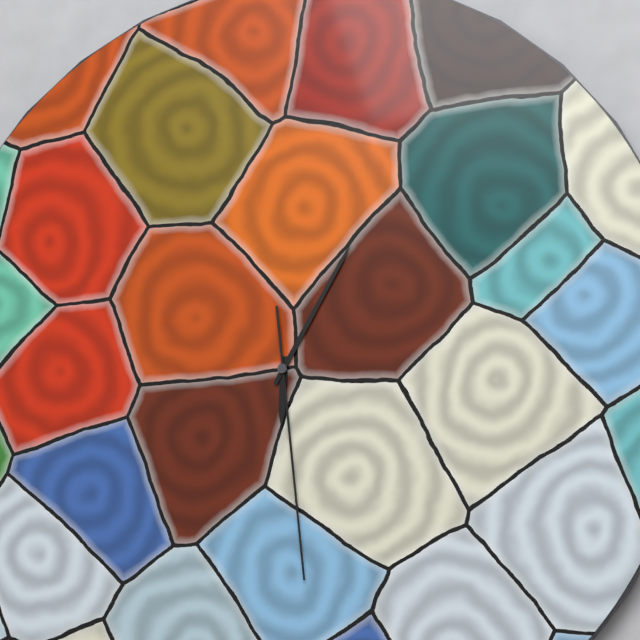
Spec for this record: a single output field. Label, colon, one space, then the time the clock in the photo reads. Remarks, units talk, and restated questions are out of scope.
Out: 6:05:29
